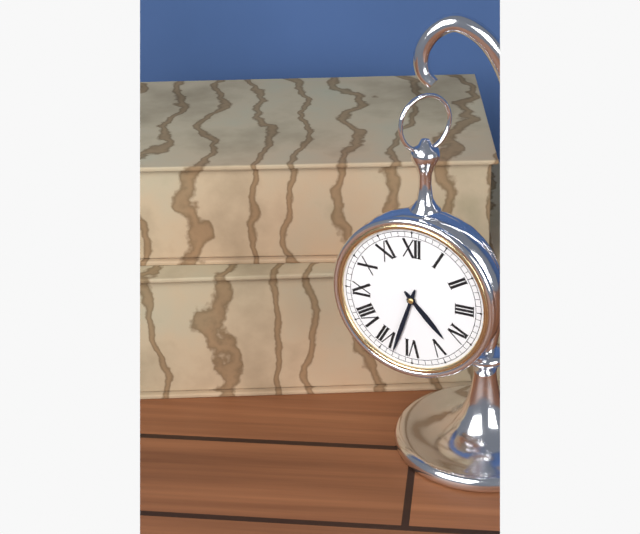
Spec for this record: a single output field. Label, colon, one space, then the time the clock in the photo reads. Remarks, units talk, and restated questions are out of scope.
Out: 4:33
